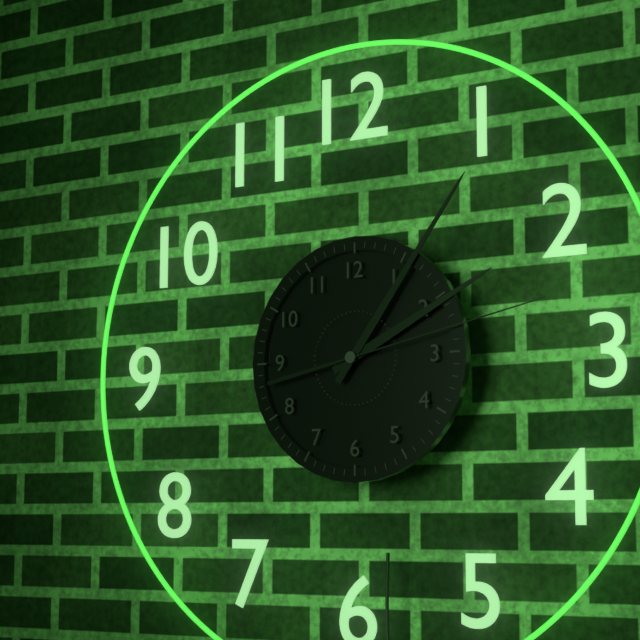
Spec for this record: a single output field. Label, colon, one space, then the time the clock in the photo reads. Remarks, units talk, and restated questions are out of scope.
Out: 2:06:13
